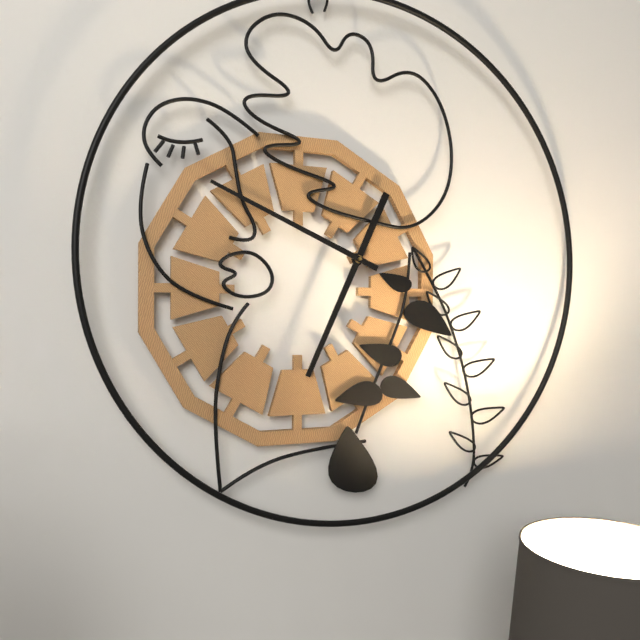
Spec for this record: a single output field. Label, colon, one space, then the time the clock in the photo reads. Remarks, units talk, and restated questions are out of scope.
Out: 6:49
